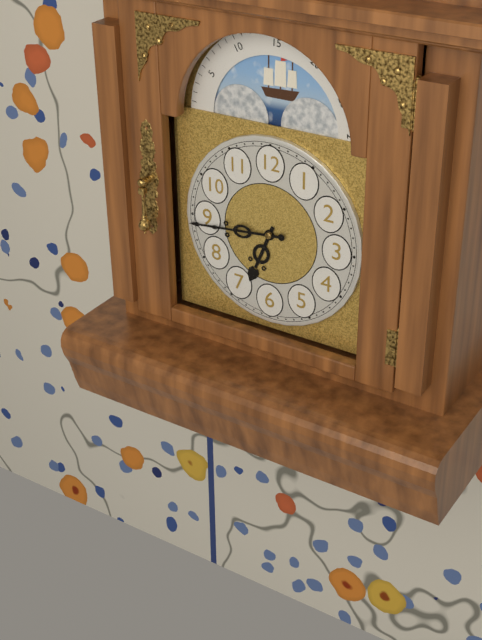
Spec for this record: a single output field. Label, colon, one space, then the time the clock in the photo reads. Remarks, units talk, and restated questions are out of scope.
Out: 6:44
